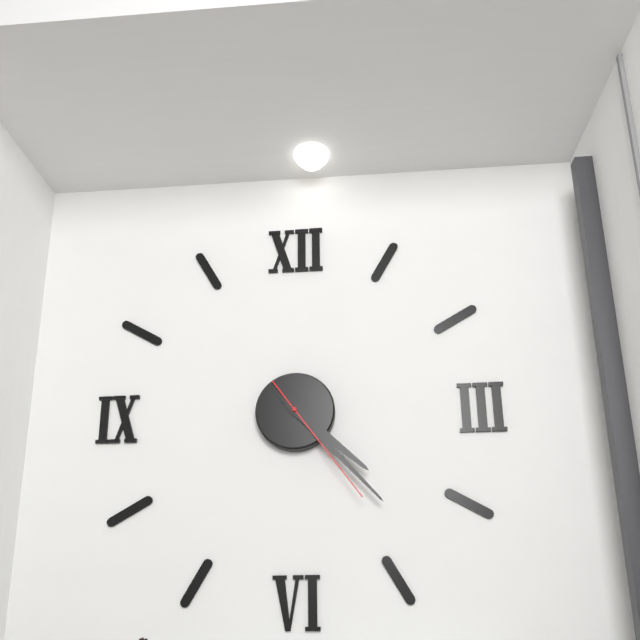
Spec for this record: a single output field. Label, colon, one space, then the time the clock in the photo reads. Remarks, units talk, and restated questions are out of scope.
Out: 4:23:24
